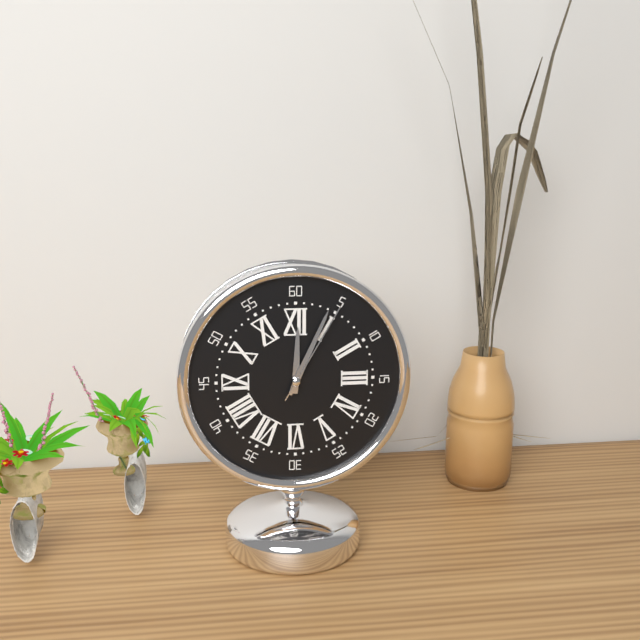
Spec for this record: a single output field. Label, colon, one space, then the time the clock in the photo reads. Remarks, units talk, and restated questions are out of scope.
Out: 12:04:05
